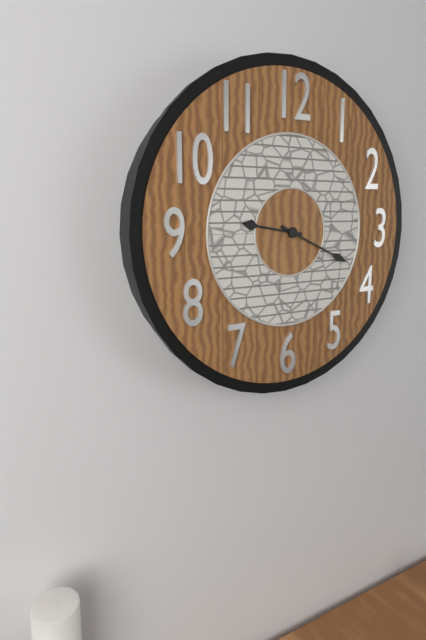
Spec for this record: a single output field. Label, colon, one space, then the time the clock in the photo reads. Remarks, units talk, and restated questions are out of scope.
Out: 9:19
